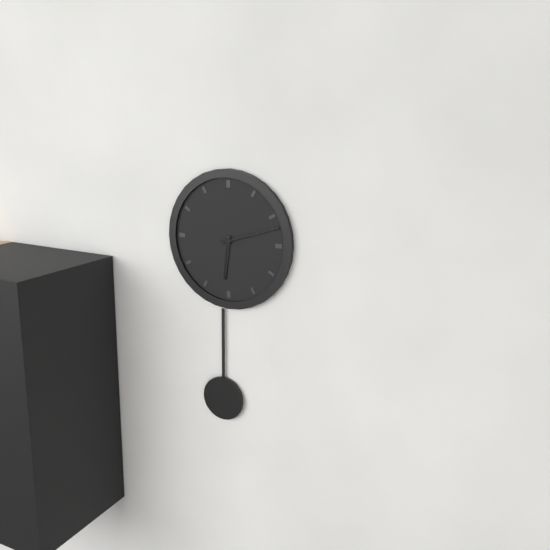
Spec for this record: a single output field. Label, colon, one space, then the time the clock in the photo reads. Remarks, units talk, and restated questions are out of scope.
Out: 6:12
